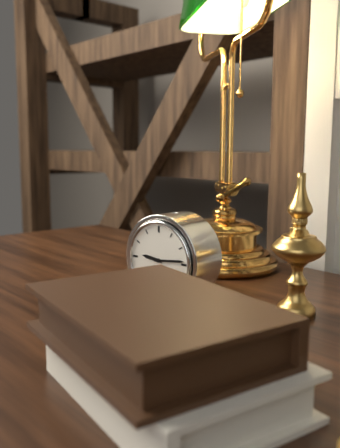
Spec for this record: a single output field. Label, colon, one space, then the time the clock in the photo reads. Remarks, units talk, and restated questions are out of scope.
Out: 9:14
